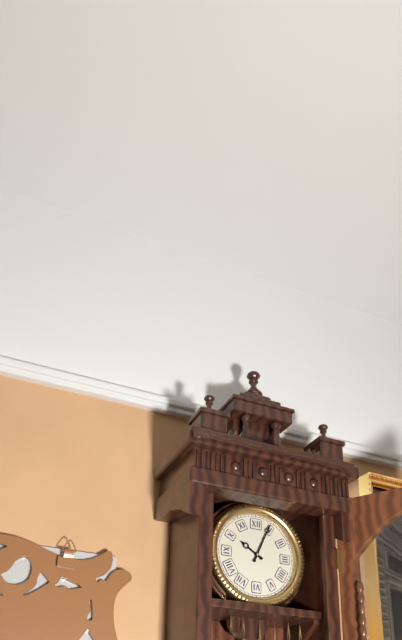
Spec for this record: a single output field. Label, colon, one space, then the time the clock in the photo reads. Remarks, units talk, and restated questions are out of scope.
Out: 10:04
